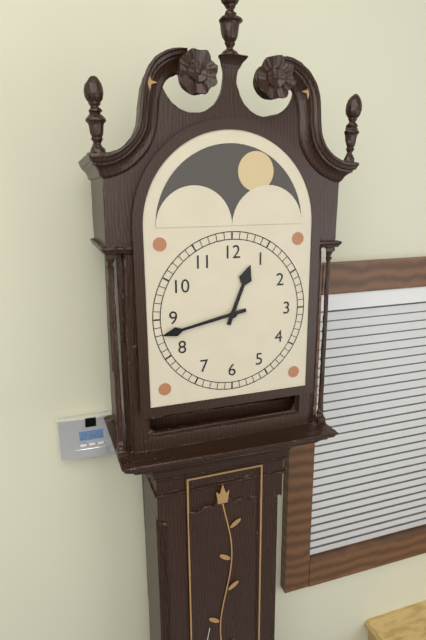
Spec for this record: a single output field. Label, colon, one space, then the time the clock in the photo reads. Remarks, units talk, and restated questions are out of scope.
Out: 12:43
